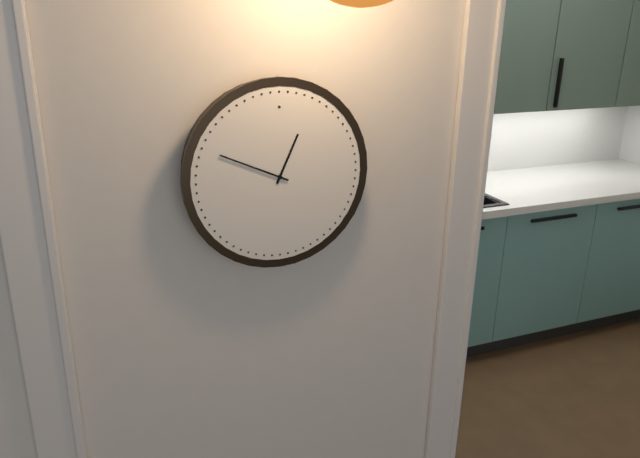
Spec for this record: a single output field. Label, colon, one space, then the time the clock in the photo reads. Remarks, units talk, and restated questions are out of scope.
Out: 12:49
